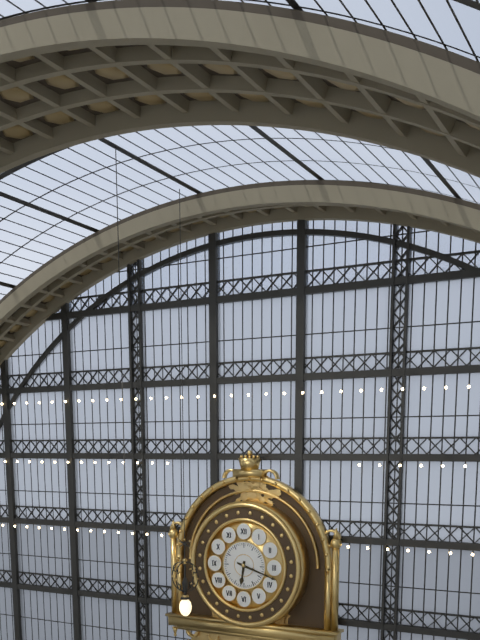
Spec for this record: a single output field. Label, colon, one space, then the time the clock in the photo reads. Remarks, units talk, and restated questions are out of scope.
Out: 6:18
